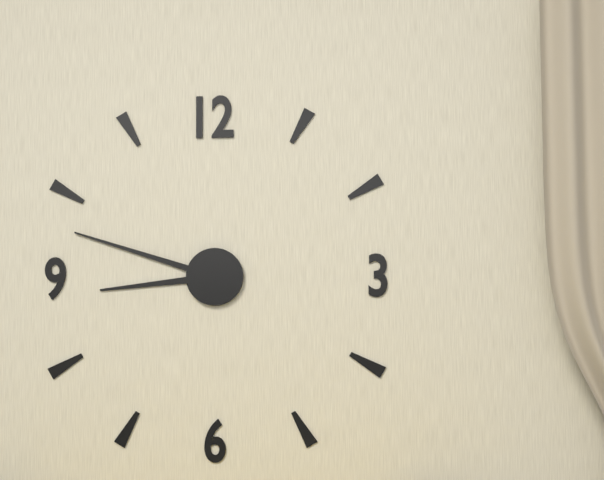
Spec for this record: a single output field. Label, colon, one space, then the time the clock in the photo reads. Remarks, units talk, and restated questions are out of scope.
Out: 8:48
